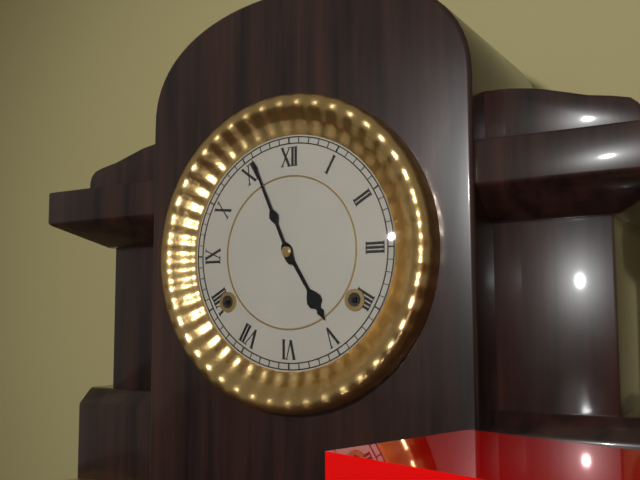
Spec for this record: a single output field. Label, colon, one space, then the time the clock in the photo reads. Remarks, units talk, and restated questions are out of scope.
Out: 4:56
